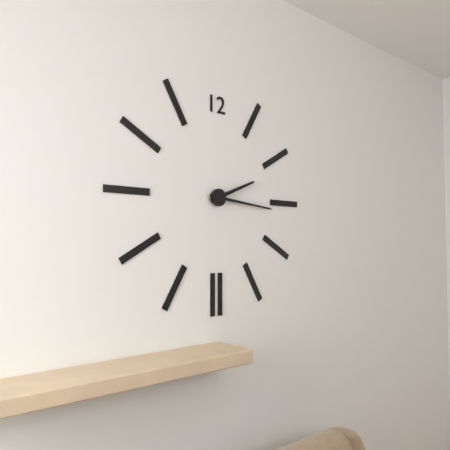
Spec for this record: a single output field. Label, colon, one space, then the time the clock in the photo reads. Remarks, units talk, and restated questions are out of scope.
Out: 2:16
